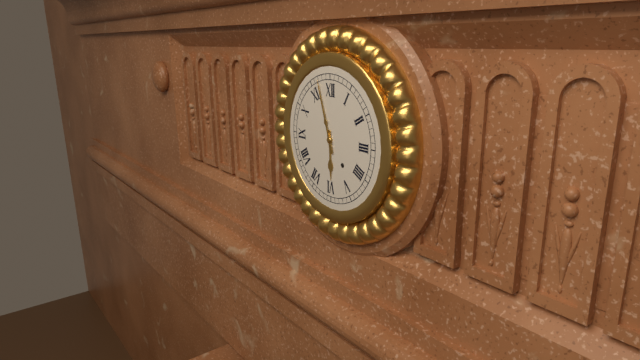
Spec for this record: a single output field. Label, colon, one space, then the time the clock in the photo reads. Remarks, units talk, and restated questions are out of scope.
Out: 5:57
